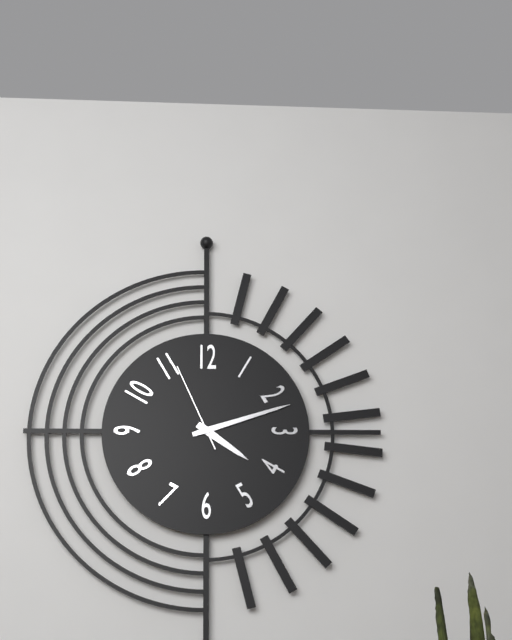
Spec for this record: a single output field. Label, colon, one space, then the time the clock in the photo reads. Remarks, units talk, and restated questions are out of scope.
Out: 4:12:56
